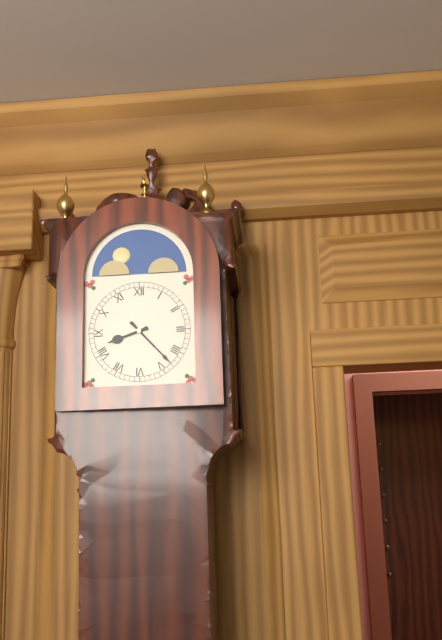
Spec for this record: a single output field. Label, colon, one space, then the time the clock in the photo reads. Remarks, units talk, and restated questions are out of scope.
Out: 8:23
